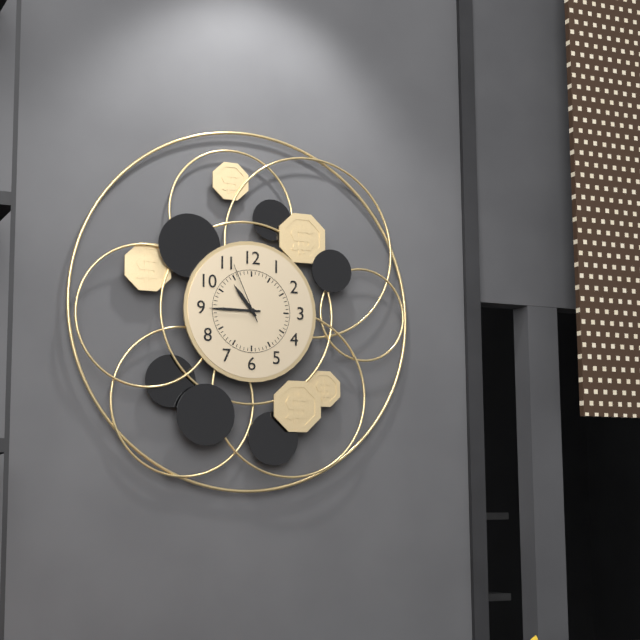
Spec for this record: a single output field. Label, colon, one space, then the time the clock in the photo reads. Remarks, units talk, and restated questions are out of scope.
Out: 10:45:56
